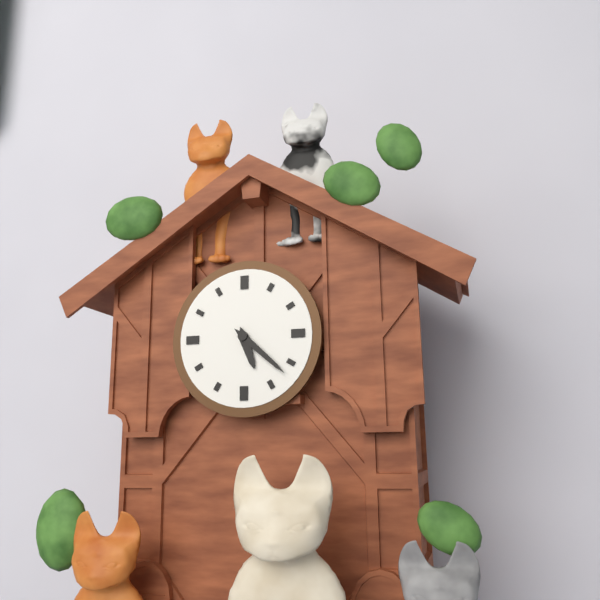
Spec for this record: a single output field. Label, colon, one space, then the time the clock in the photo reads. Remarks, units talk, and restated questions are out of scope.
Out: 5:22
